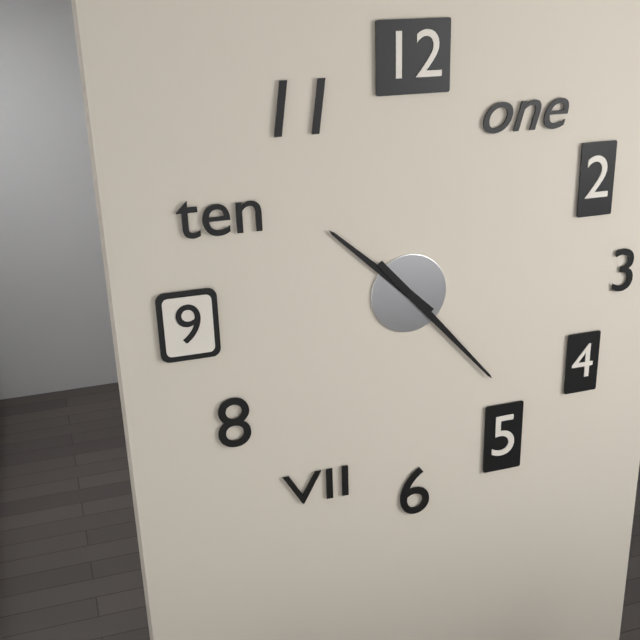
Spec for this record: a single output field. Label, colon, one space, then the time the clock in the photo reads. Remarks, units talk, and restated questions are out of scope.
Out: 10:23
